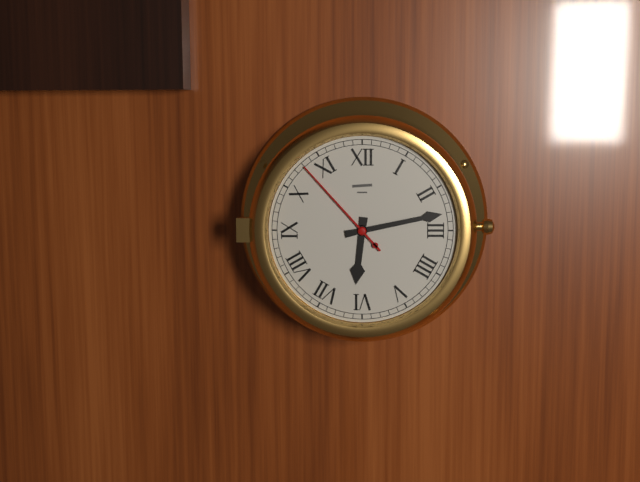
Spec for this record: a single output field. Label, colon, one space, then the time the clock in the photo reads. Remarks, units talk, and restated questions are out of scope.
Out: 6:13:53
